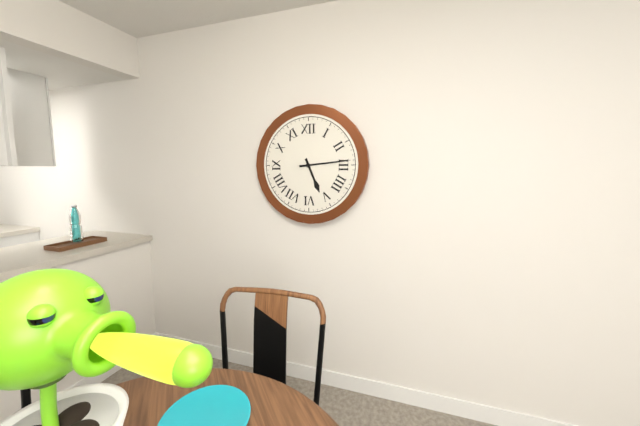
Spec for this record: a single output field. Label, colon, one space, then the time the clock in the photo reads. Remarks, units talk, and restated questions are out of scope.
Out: 5:14
